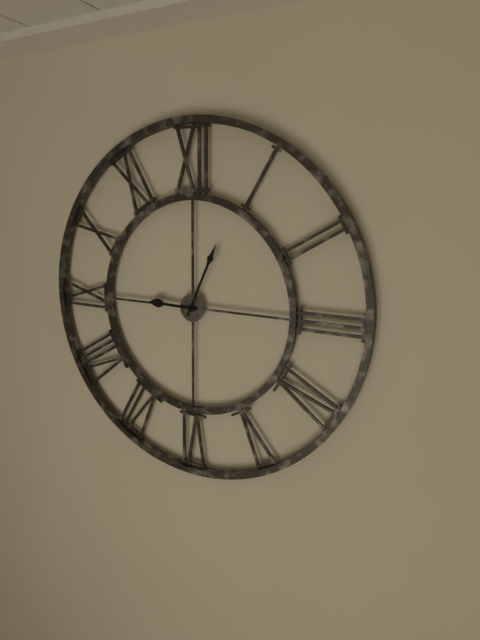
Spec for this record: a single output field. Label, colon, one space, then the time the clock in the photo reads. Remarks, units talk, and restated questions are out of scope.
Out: 9:04
